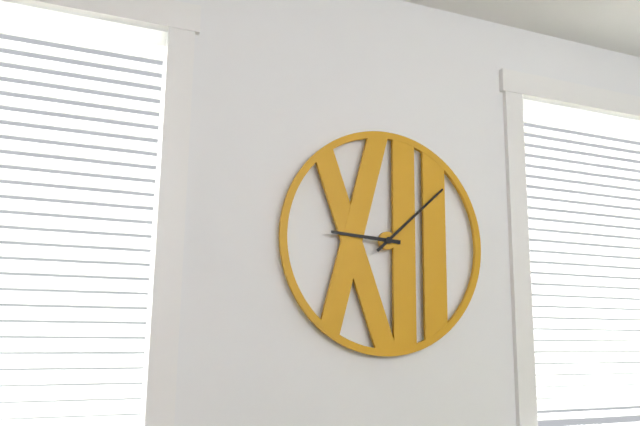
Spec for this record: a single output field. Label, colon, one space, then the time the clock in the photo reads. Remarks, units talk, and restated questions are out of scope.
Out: 9:08
